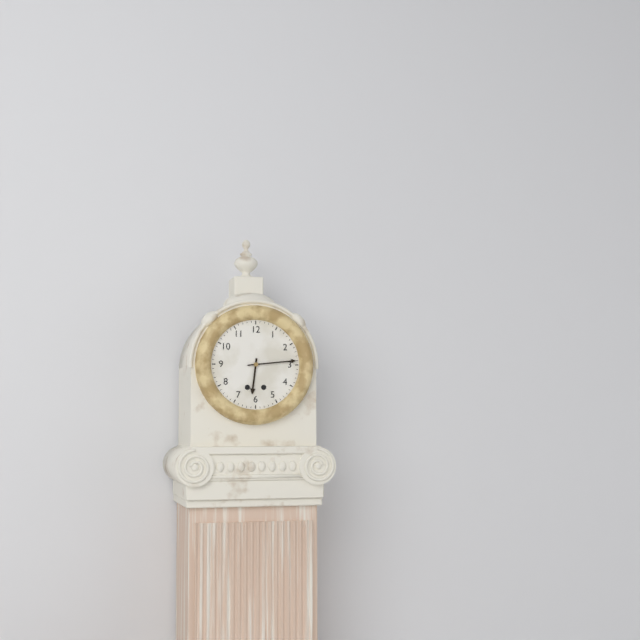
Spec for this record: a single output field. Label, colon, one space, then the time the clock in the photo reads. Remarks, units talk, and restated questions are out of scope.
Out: 6:14
